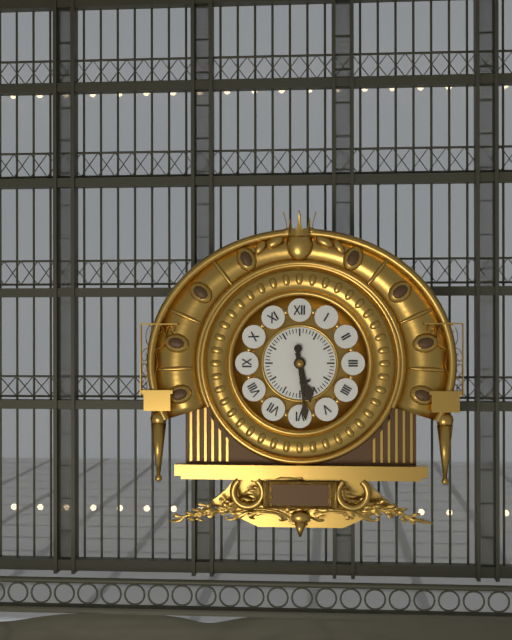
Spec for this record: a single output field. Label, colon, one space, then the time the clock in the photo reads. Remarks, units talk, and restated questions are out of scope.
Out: 5:29
